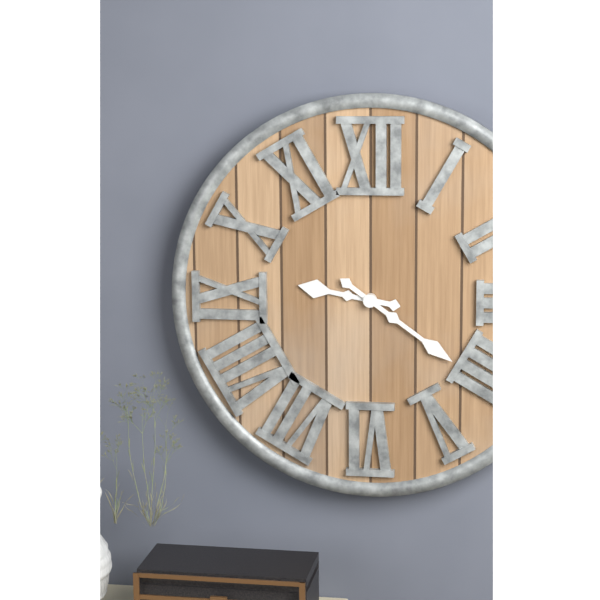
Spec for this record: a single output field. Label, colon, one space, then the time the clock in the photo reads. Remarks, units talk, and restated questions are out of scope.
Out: 9:21
